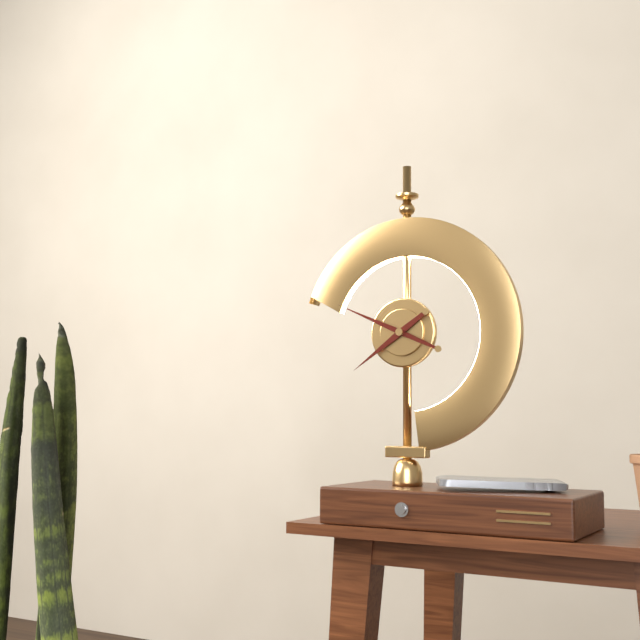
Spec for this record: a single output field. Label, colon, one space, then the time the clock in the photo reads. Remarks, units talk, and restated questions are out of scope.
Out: 7:49
